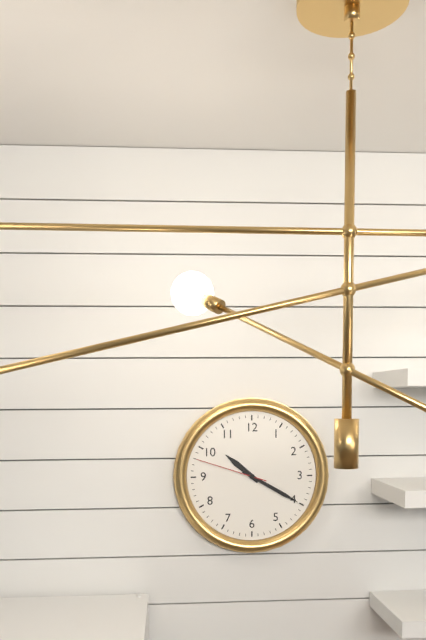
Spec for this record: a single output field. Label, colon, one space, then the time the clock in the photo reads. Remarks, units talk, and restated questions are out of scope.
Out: 10:20:48
